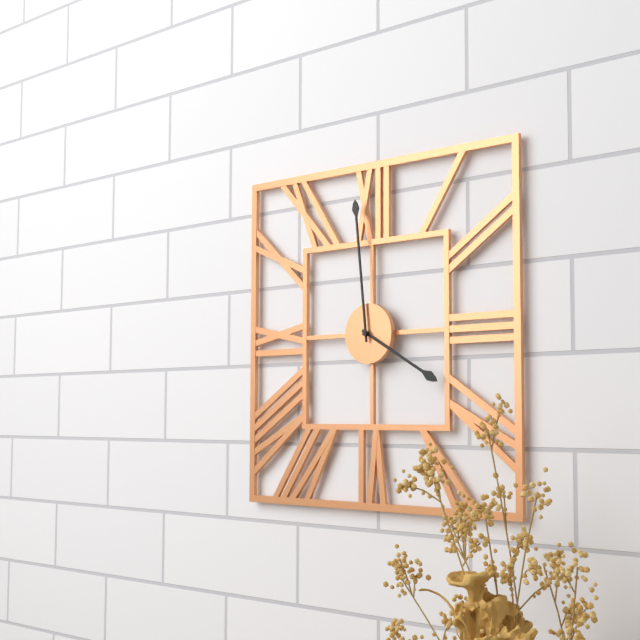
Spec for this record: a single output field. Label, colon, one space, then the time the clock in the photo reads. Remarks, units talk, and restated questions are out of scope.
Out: 3:59
